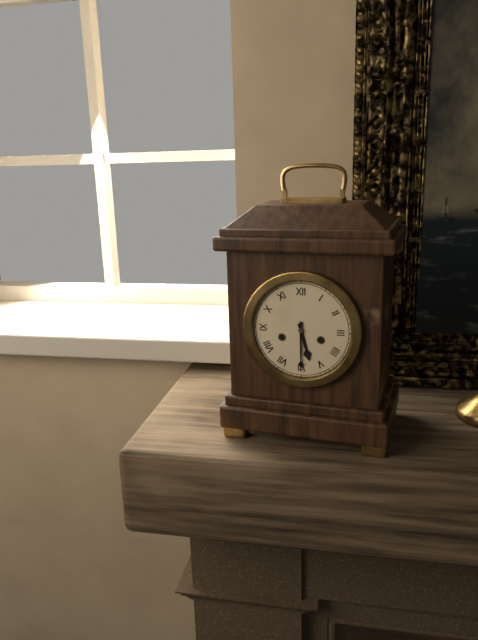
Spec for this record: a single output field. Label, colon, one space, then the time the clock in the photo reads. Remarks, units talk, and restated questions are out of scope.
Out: 5:30
